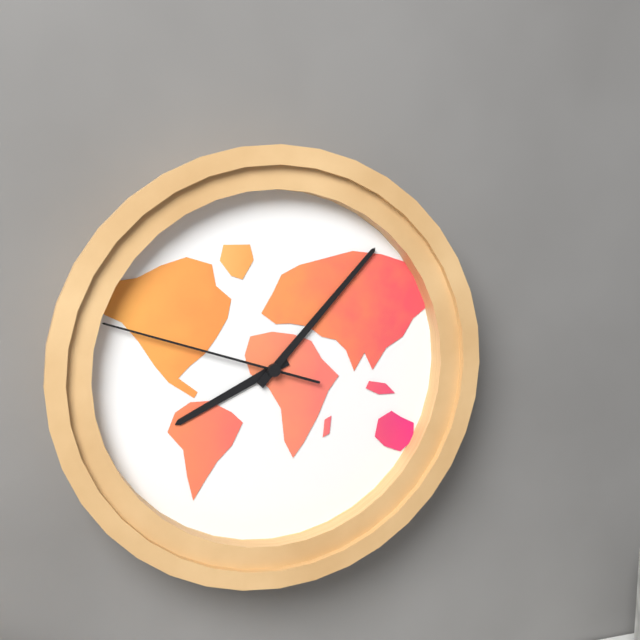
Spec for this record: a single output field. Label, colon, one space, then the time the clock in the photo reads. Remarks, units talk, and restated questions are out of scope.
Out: 8:07:48
